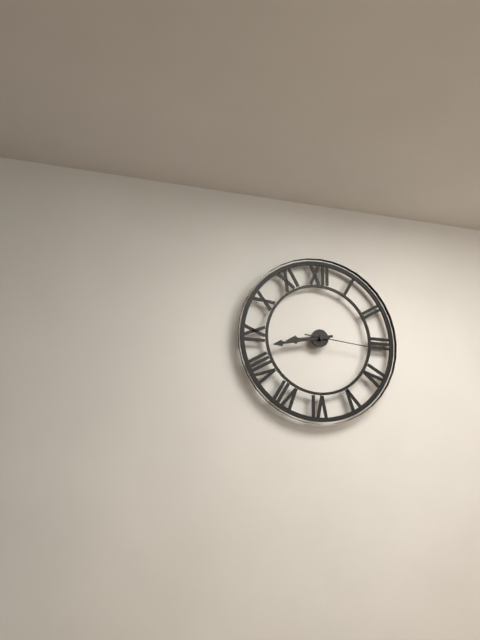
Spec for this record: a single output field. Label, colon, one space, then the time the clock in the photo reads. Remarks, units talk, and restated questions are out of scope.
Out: 8:43:16
